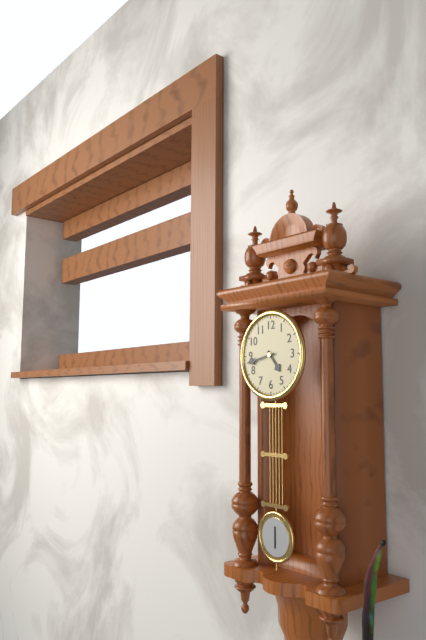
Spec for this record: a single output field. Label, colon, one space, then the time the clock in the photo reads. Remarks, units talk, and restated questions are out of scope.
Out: 4:43
